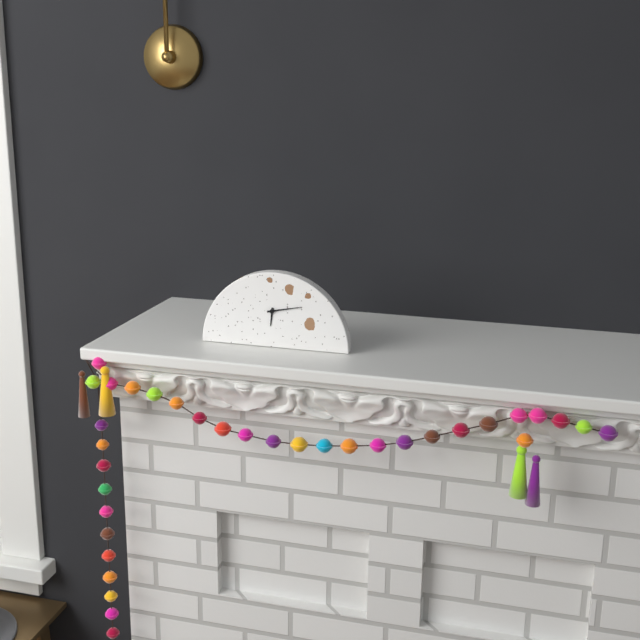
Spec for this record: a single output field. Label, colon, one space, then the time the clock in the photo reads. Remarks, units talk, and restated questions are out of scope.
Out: 6:13
